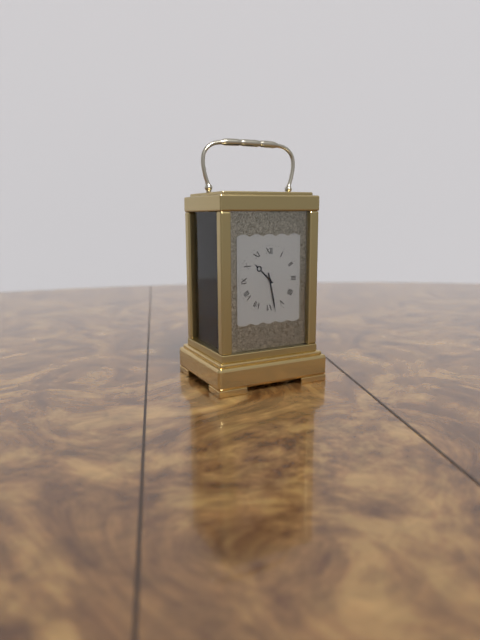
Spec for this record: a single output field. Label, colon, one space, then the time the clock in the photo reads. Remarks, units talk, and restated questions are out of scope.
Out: 10:28
